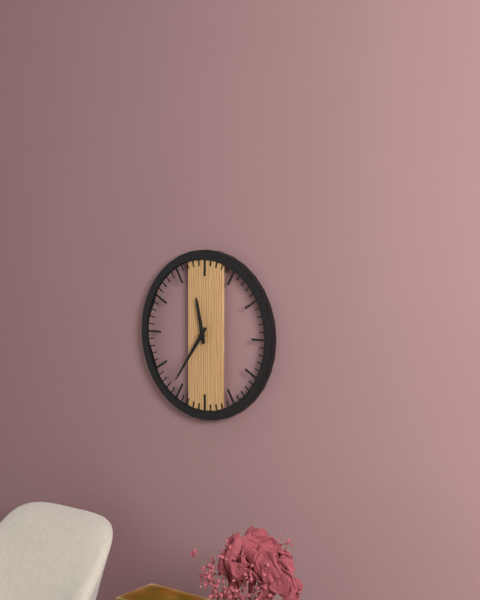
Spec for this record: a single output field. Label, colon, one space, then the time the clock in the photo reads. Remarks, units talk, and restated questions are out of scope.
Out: 11:36
